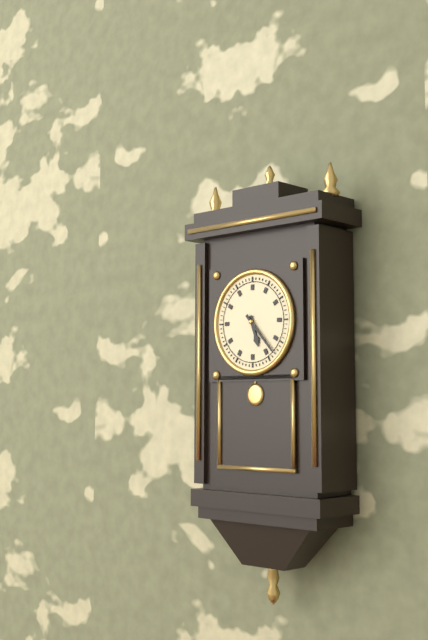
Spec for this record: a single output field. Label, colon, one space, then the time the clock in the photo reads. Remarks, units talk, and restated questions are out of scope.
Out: 5:23
